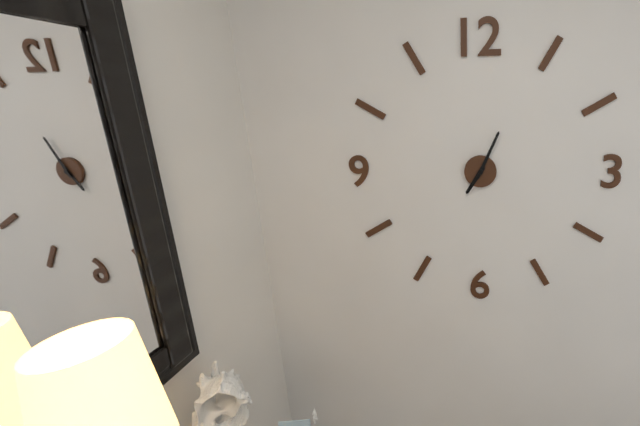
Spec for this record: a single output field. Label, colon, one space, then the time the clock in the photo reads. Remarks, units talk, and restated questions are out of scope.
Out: 7:04
